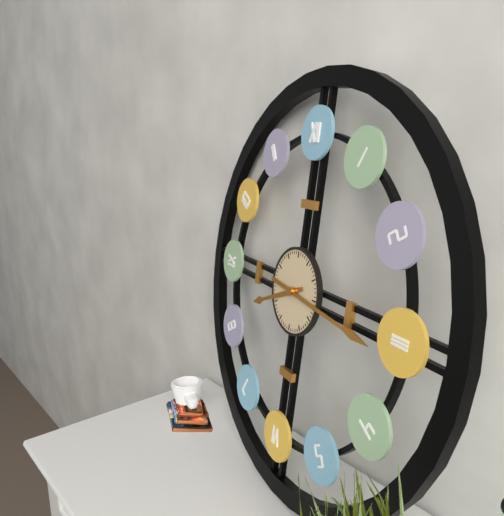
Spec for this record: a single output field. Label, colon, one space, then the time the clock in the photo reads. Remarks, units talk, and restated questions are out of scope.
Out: 8:16
